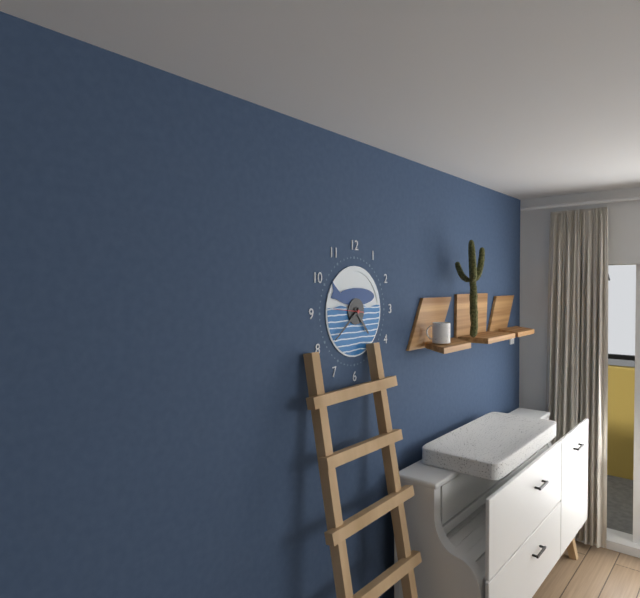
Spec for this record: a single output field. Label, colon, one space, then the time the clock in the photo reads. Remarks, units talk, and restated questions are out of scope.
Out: 4:39
